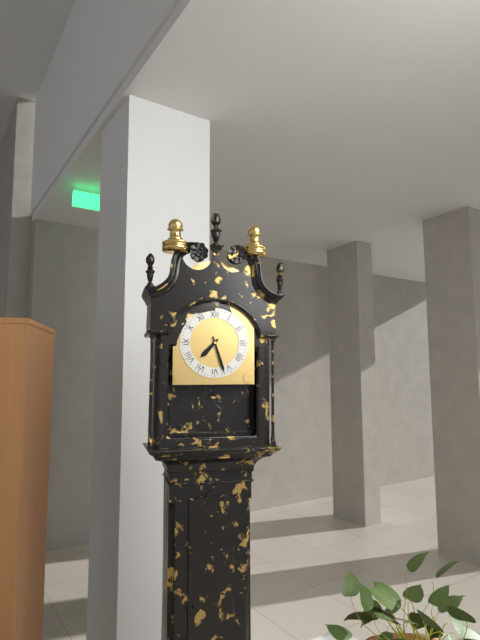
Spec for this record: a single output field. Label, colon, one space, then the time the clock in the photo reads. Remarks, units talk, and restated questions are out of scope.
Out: 7:27
